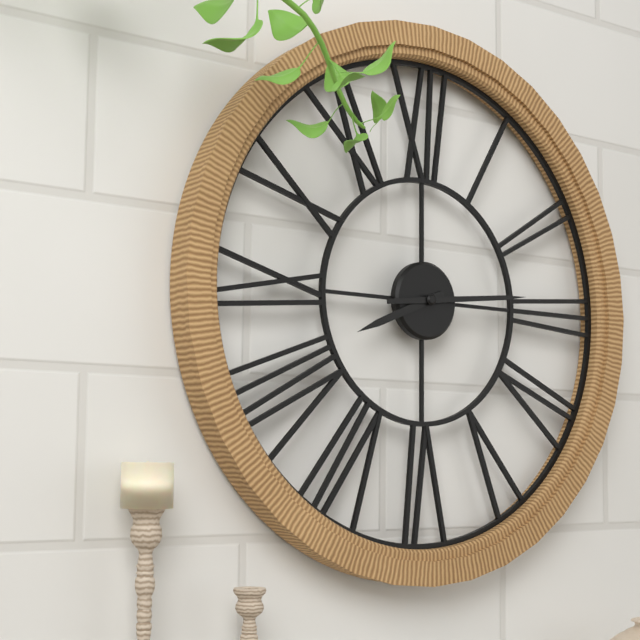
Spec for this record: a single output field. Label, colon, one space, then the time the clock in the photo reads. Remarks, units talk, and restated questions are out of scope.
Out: 8:14
